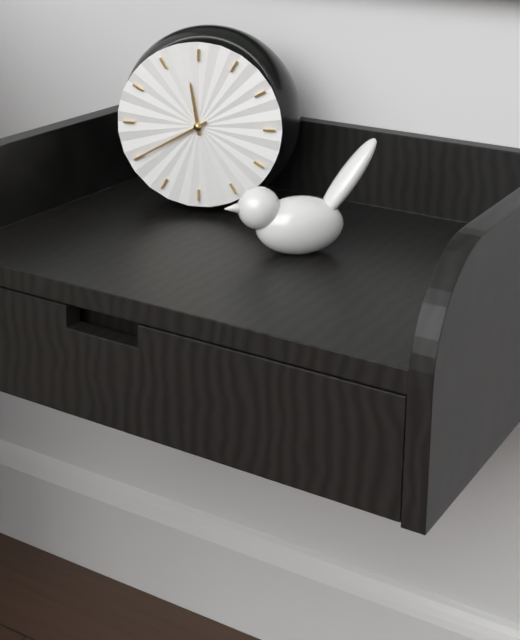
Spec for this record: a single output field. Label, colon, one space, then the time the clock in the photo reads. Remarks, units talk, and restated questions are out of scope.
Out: 11:40
